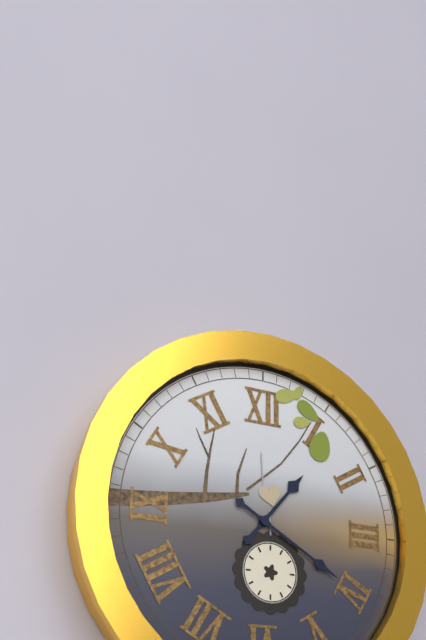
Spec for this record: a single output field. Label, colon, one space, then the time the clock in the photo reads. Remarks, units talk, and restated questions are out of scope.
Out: 1:20
